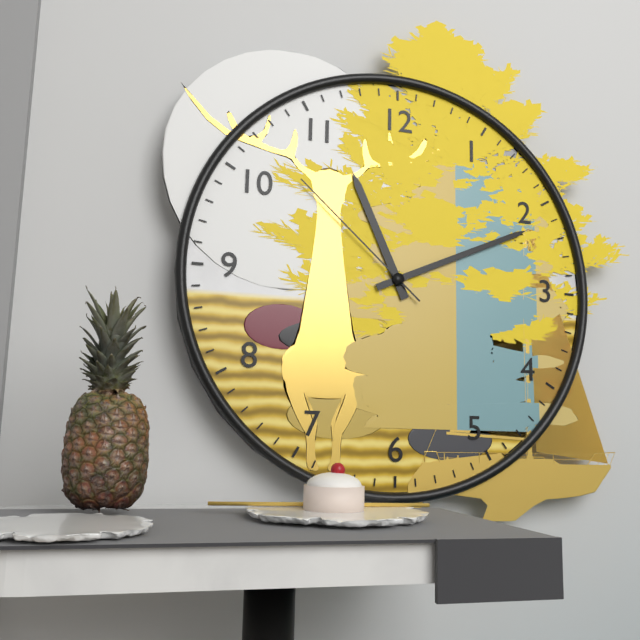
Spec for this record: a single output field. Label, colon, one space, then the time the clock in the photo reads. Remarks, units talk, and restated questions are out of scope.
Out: 11:11:52
